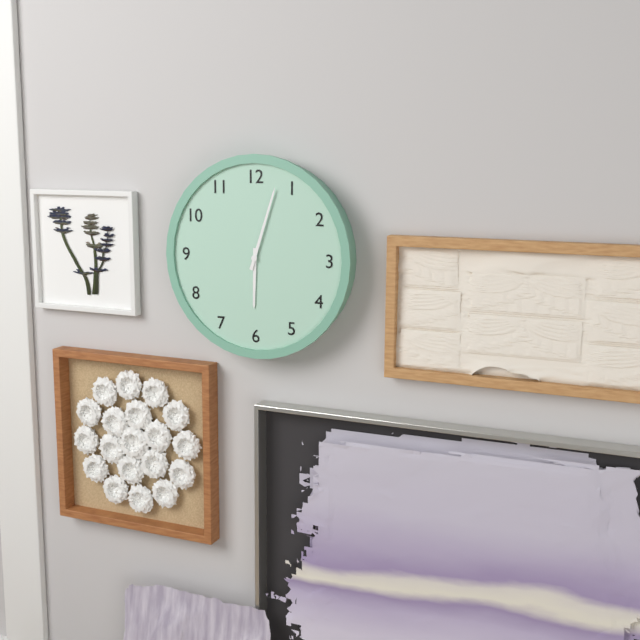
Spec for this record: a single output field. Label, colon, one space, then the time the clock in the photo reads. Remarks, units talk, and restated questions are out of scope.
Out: 6:03
